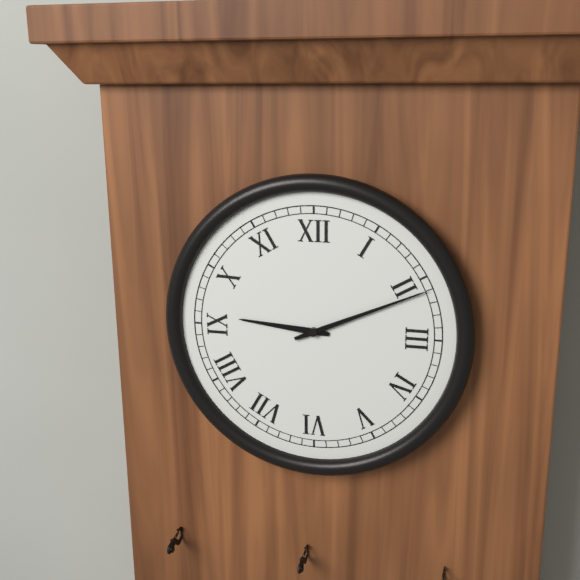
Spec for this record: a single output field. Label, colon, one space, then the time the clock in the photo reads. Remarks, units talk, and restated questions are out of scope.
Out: 9:11
